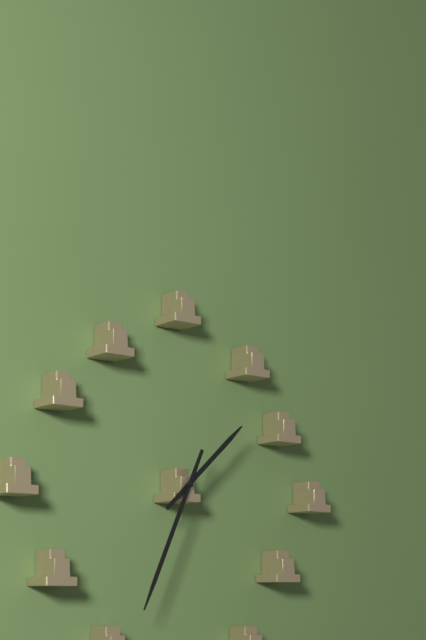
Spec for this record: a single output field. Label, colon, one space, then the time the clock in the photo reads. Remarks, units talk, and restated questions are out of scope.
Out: 1:34
